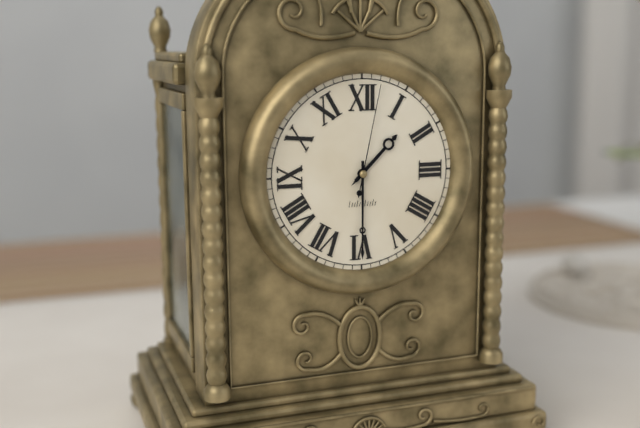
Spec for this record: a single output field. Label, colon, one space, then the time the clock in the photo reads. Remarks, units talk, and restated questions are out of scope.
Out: 1:30:02
